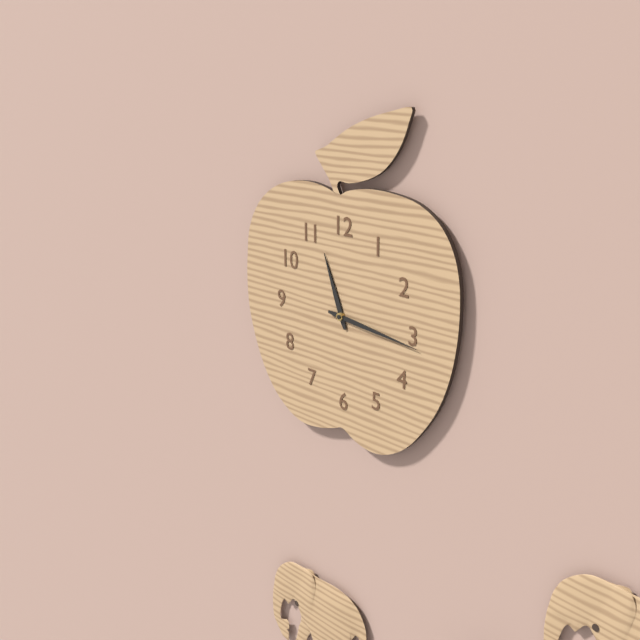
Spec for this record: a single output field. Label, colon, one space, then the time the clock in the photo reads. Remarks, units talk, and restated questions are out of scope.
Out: 11:16
